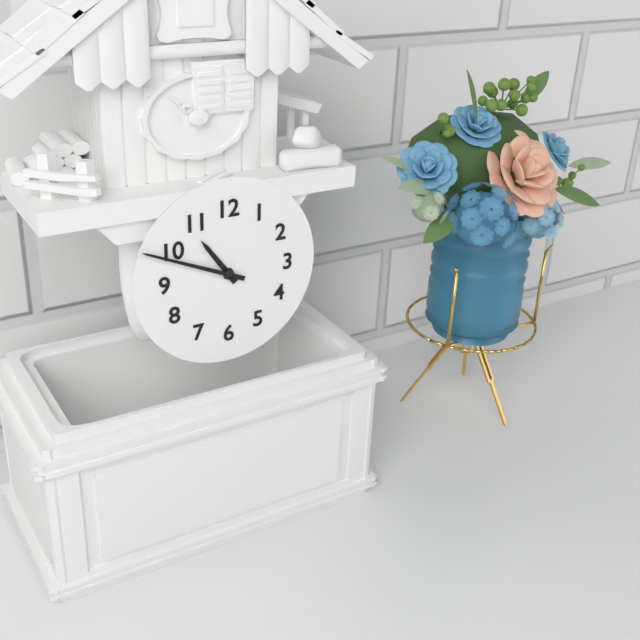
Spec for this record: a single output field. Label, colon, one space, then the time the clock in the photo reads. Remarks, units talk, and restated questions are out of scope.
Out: 10:49
